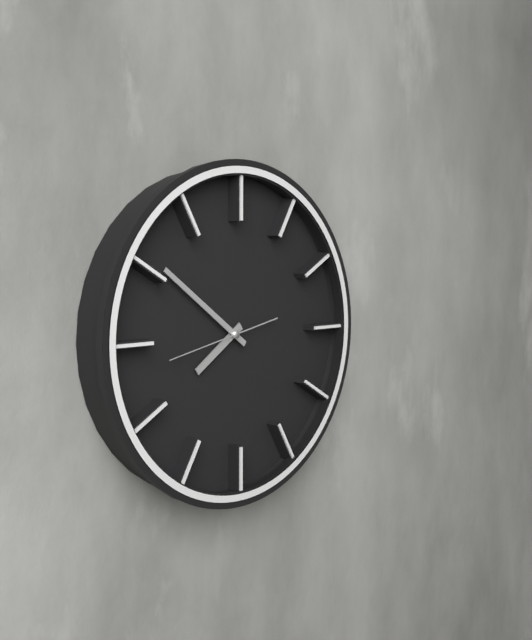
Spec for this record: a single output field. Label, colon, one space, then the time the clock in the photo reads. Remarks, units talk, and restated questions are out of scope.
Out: 7:51:43
